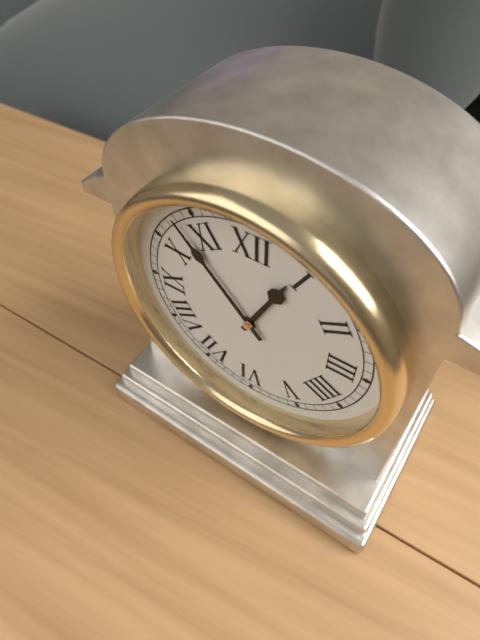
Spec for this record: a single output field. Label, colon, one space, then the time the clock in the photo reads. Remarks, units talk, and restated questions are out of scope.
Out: 12:53
